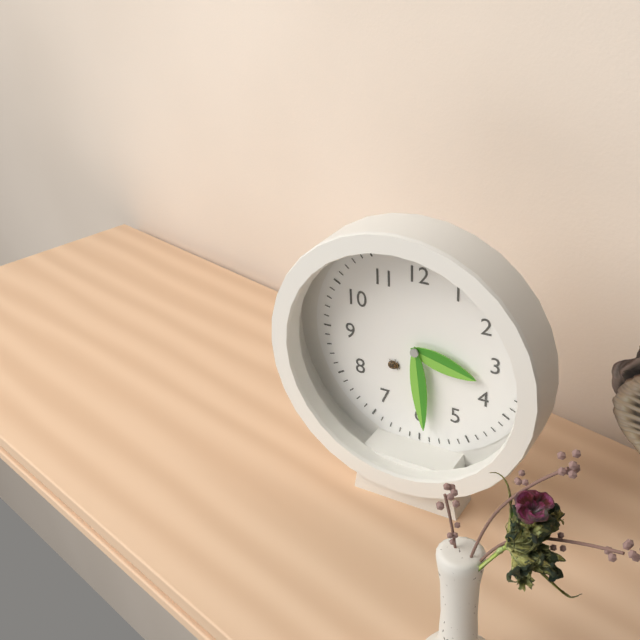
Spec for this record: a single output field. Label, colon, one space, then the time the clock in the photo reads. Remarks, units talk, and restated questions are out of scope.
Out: 3:29
